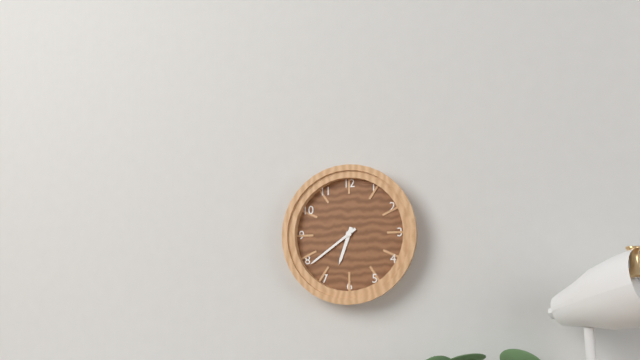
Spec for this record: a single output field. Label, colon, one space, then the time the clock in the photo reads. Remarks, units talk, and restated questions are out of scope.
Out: 6:39
